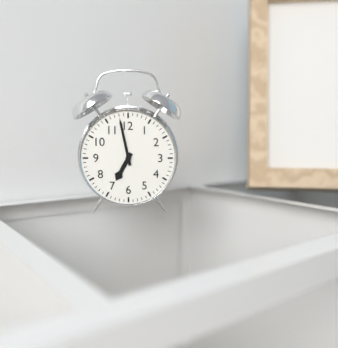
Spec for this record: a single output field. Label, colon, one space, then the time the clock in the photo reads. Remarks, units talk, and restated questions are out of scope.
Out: 6:58
